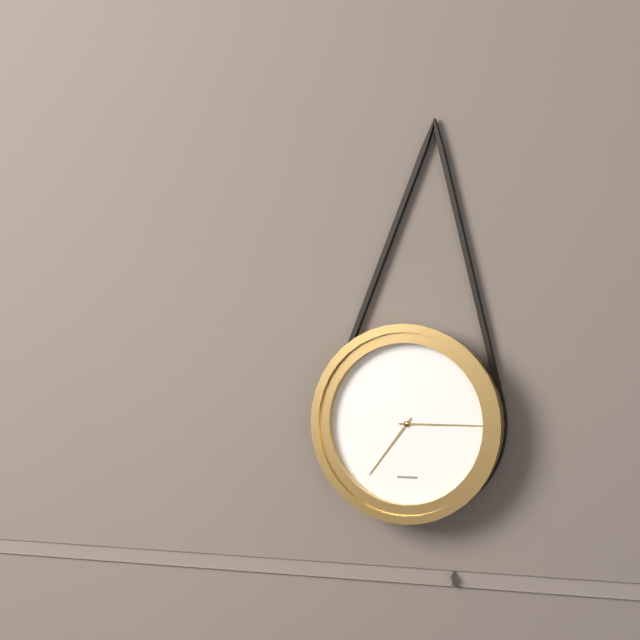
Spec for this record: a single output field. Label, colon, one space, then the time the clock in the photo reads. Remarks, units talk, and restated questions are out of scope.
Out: 7:15
